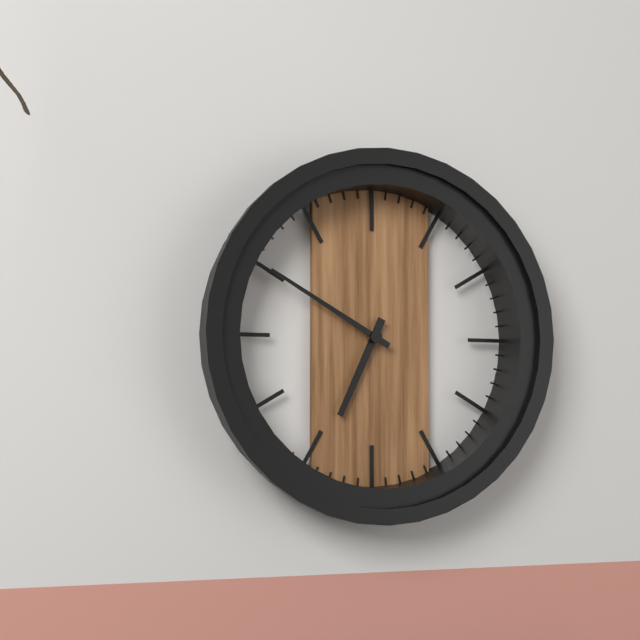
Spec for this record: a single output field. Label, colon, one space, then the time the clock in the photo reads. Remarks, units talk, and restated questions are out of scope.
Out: 6:50
